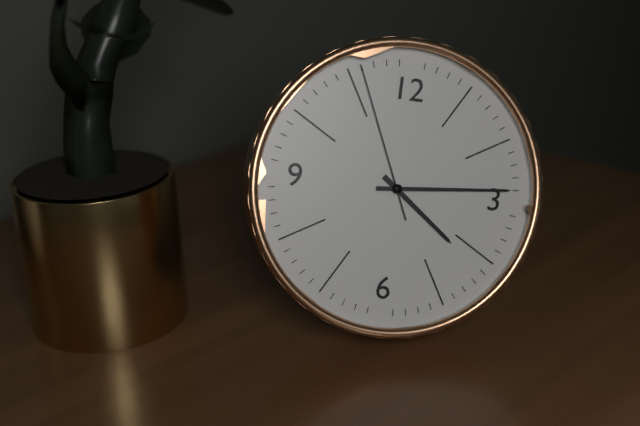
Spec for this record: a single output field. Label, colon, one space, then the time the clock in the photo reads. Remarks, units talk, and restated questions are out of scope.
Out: 4:14:56
